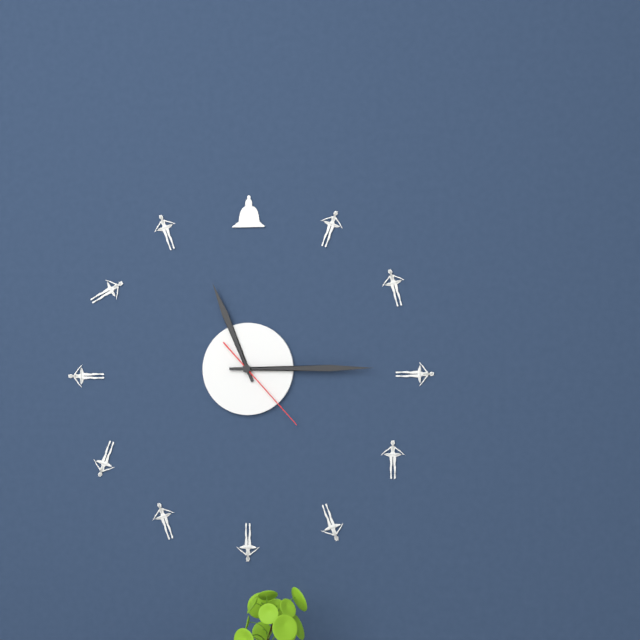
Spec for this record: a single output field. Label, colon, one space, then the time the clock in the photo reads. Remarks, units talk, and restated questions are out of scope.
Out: 11:15:23
